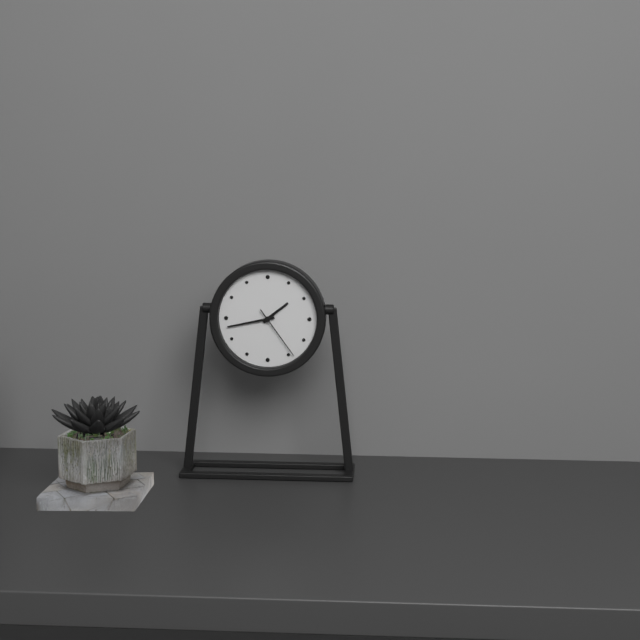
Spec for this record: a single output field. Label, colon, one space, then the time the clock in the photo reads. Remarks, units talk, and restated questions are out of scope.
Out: 1:43:24
